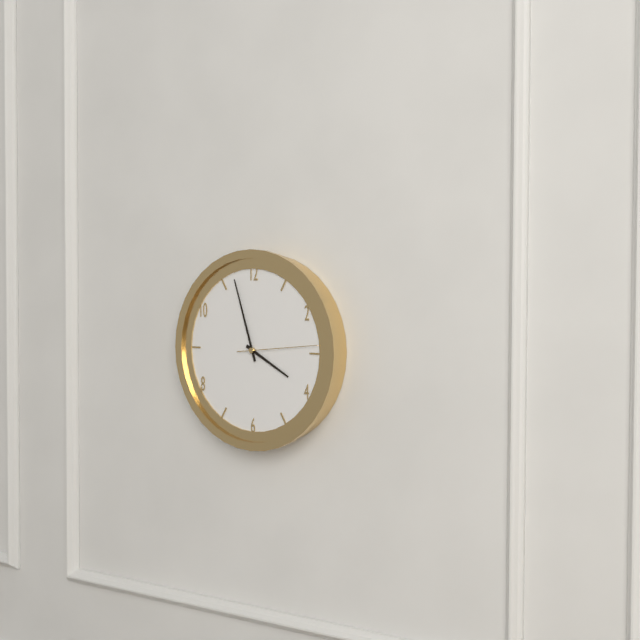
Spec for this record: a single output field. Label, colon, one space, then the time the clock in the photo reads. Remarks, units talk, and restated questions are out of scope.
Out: 3:57:14
